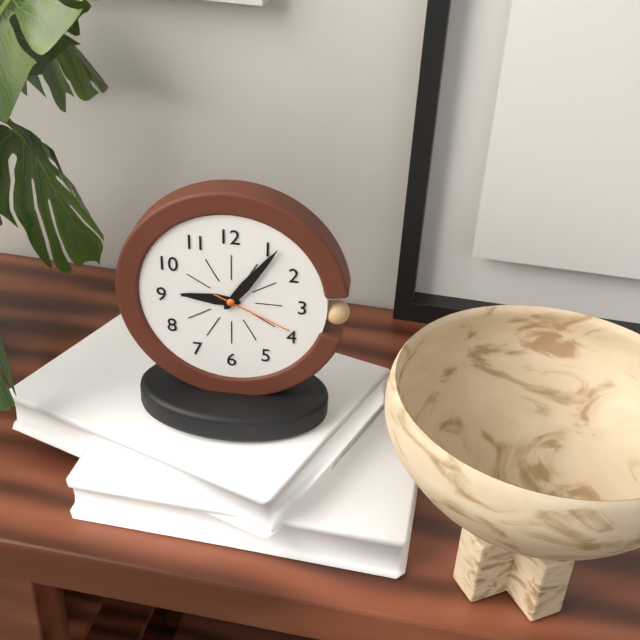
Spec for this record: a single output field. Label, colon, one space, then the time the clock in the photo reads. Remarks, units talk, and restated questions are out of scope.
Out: 9:06:19
